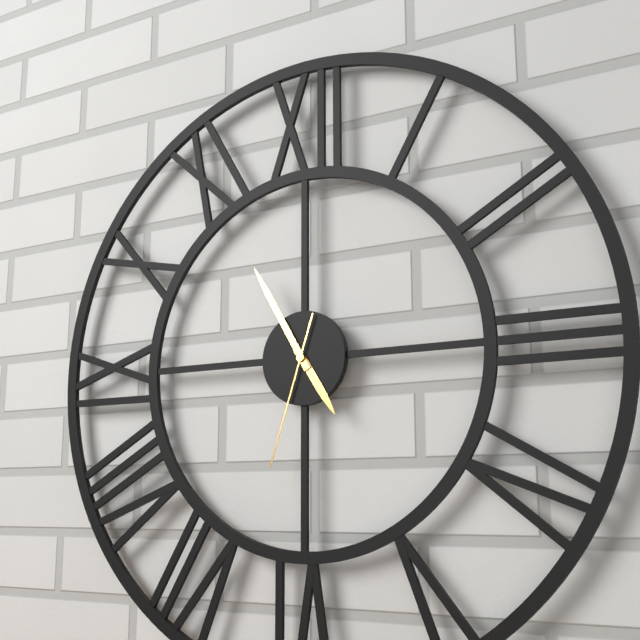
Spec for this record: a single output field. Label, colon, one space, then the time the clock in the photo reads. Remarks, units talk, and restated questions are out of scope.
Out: 4:55:33
